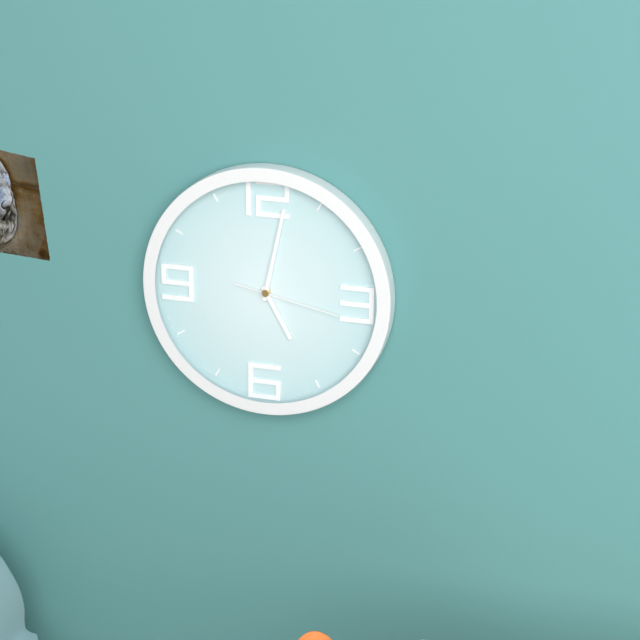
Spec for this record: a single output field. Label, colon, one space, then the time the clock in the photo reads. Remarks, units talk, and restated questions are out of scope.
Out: 5:02:17
